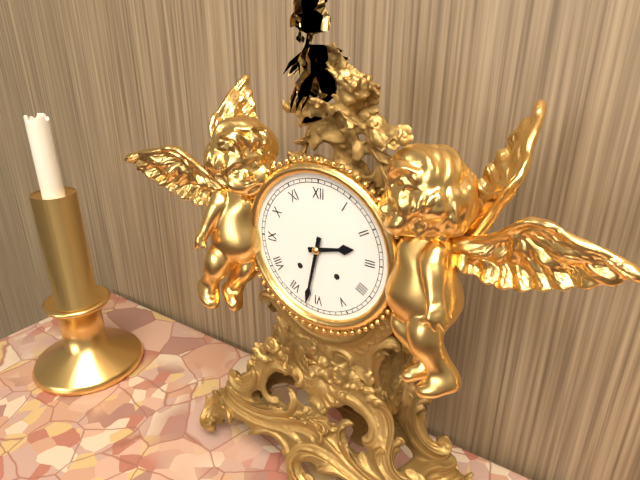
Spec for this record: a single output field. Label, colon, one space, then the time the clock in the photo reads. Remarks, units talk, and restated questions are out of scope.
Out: 2:32
